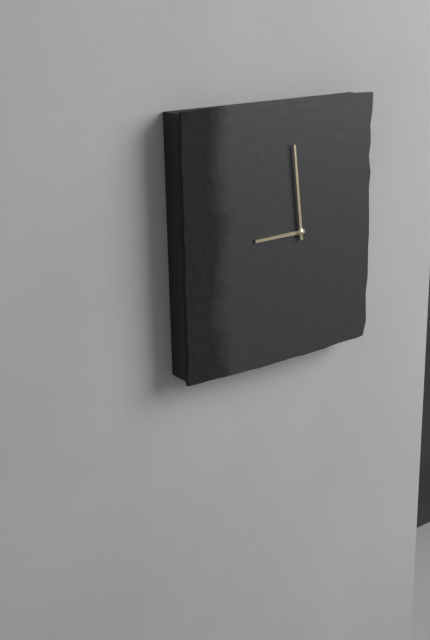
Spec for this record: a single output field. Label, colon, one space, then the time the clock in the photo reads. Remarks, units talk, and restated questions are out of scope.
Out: 8:59
